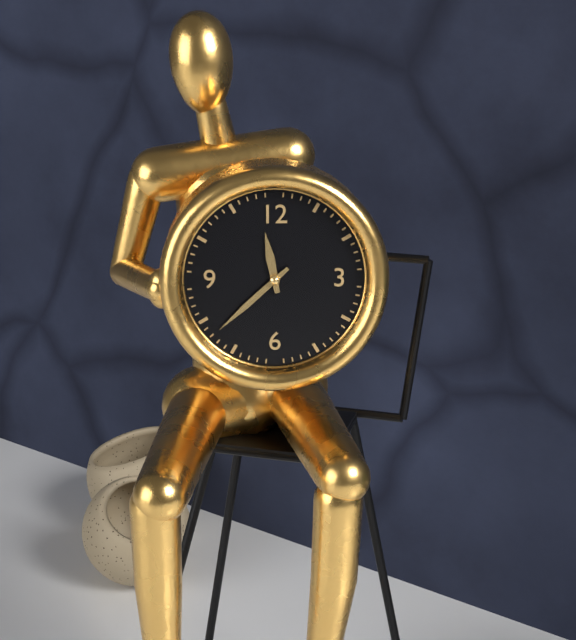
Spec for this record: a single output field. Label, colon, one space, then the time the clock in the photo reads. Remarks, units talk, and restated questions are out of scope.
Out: 11:38
